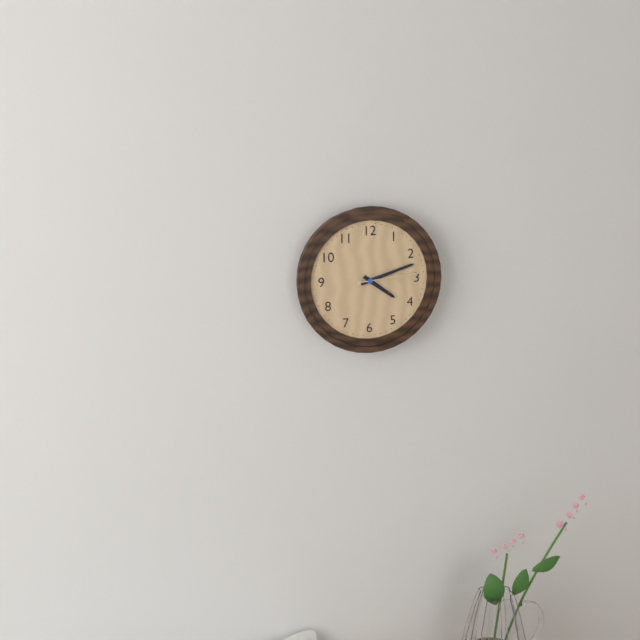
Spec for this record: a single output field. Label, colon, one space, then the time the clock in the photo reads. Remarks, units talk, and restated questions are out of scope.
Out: 4:12:14
